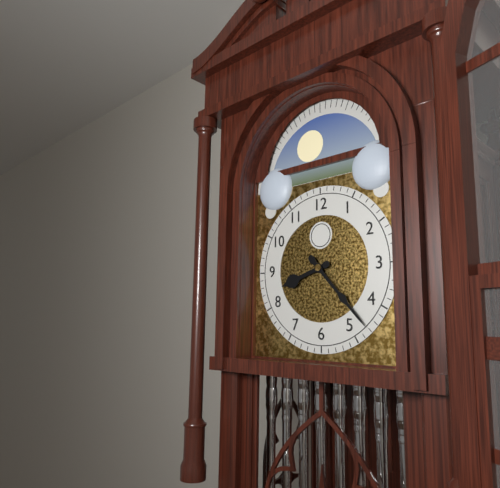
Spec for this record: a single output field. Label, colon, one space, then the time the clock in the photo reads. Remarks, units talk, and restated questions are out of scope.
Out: 8:23
